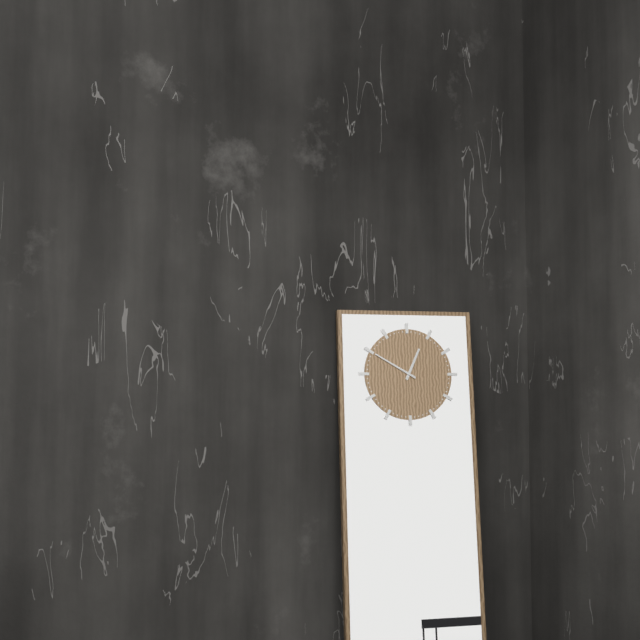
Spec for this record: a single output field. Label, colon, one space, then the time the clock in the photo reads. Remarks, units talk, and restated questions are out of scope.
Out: 12:50
